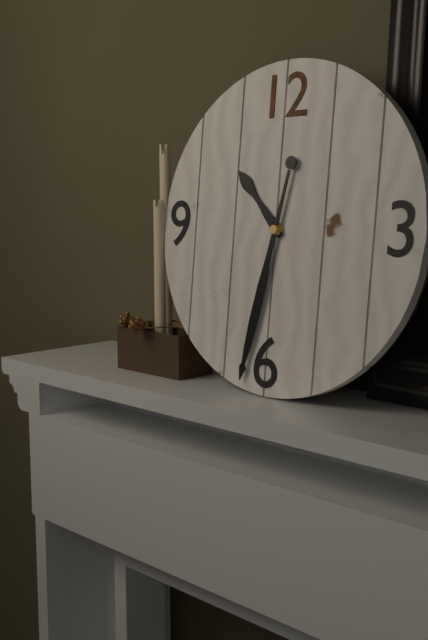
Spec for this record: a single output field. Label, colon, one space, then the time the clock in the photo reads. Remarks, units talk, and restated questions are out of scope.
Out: 10:32
